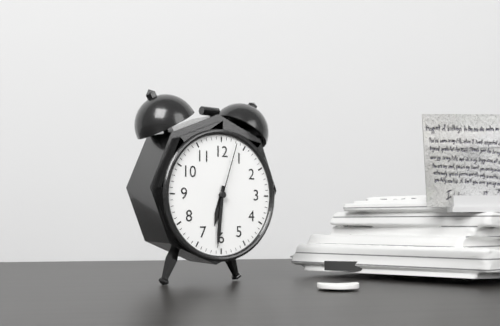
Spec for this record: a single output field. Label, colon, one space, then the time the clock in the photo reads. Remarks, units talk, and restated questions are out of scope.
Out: 6:31:03
